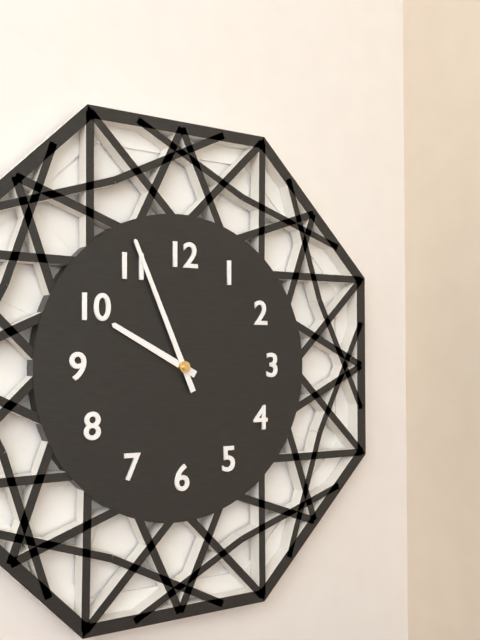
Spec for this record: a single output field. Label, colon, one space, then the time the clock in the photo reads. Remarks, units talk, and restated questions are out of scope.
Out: 9:56
